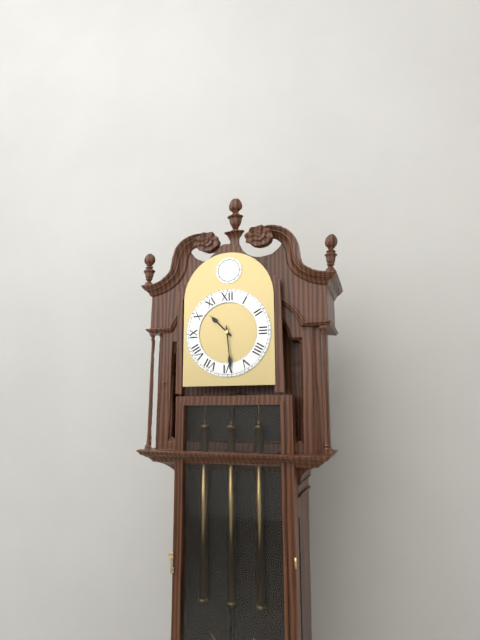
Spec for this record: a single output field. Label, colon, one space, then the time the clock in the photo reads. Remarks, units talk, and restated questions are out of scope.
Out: 10:29
